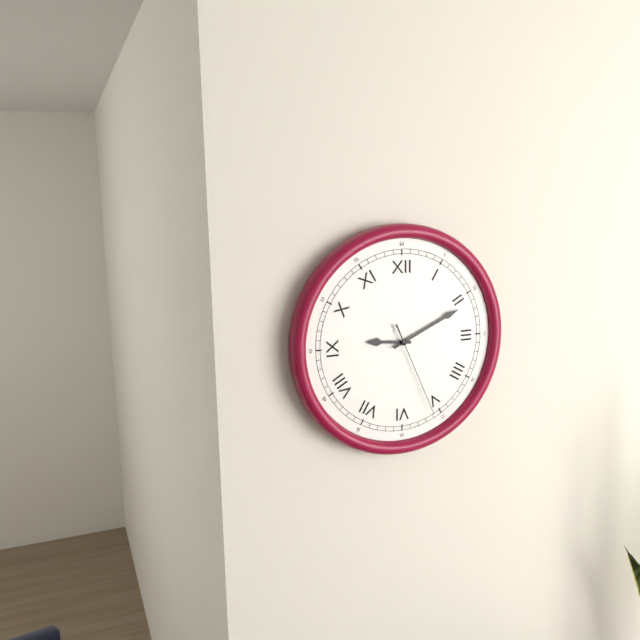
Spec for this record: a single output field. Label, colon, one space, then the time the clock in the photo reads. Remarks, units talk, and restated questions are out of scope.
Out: 9:11:26
